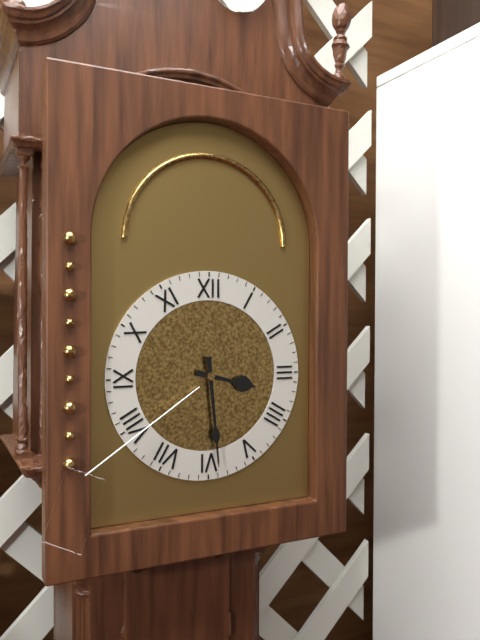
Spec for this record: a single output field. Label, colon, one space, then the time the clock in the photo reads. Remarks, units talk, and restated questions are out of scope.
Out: 3:29
